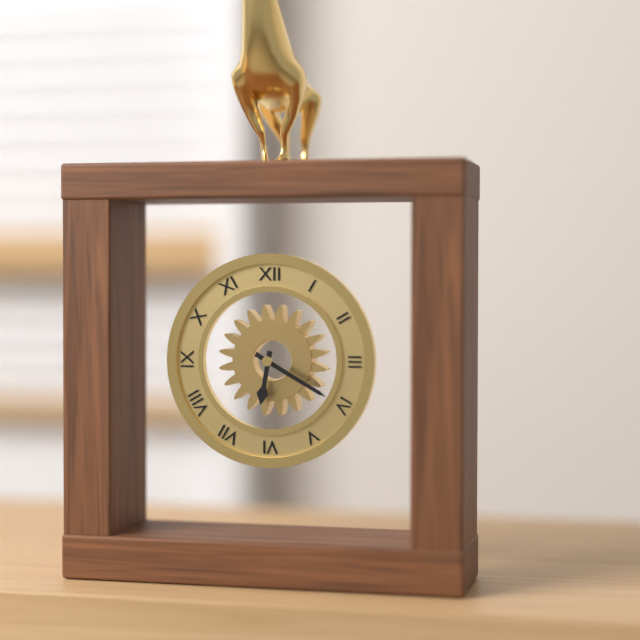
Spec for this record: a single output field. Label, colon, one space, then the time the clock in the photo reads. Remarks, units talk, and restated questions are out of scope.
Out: 6:20
